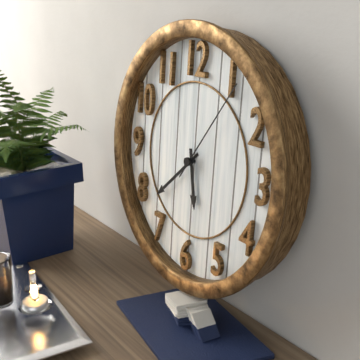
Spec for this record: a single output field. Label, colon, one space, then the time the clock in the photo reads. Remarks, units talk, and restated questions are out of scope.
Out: 5:38:06
